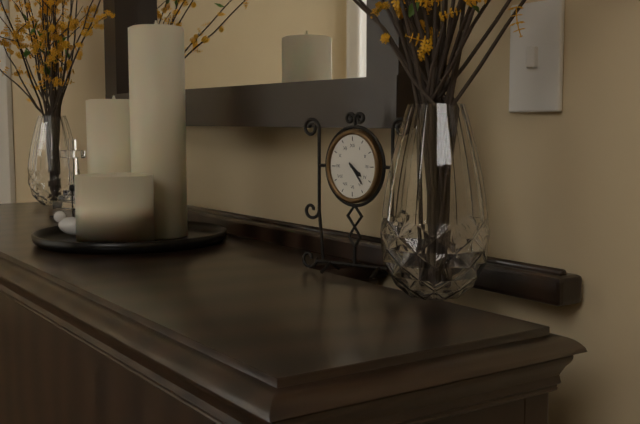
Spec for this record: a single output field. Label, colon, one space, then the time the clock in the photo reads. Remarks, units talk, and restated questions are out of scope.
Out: 4:24
